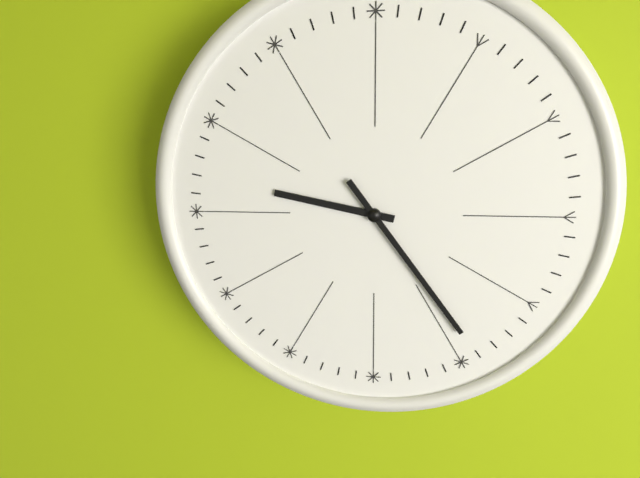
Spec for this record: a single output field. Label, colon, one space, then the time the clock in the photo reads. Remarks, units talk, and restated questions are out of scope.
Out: 9:24
